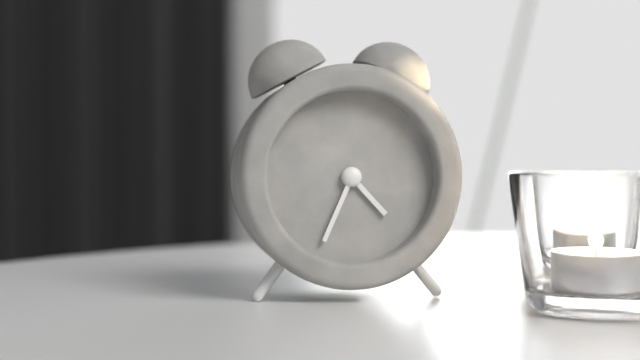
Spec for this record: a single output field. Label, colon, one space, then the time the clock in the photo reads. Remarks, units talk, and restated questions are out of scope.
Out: 4:34
